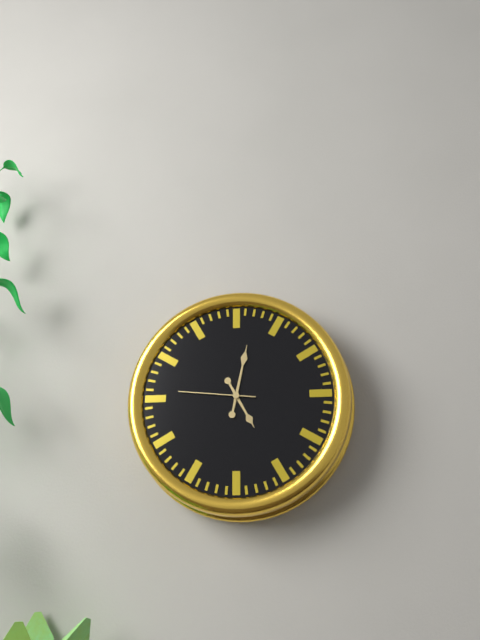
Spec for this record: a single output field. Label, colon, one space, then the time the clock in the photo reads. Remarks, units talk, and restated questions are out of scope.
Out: 5:02:46
